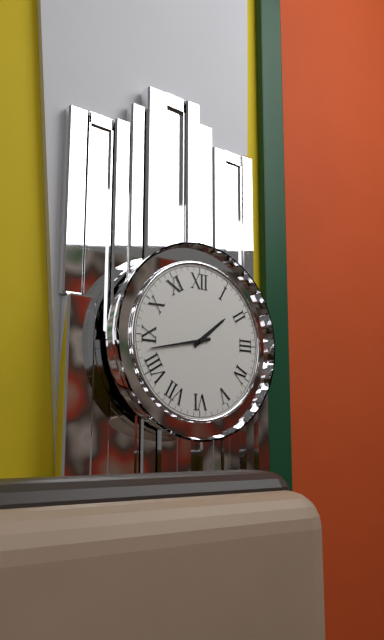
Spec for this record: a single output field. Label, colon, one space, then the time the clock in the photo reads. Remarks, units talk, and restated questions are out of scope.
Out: 1:43
